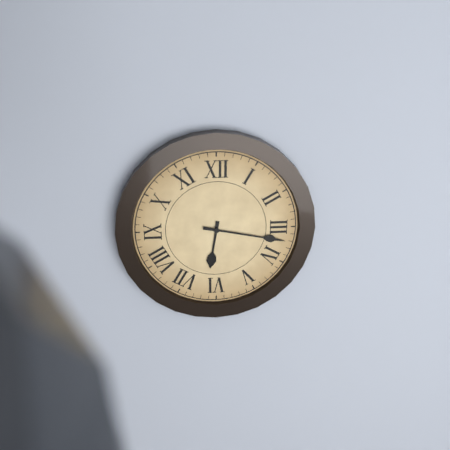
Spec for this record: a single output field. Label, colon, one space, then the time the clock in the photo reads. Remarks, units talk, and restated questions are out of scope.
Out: 6:17
